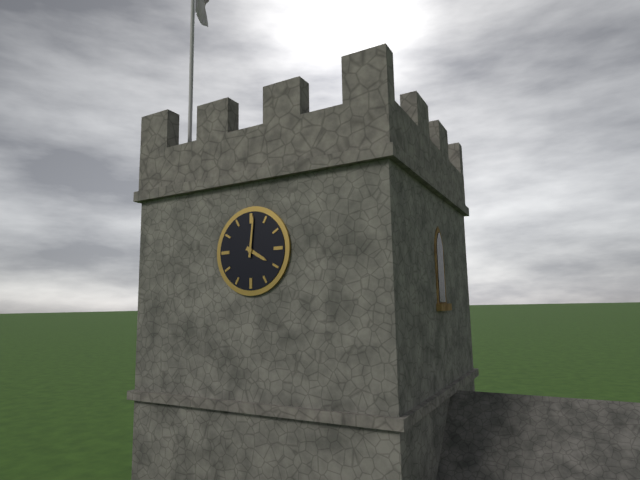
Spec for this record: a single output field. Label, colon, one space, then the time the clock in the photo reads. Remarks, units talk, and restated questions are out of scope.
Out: 4:01
